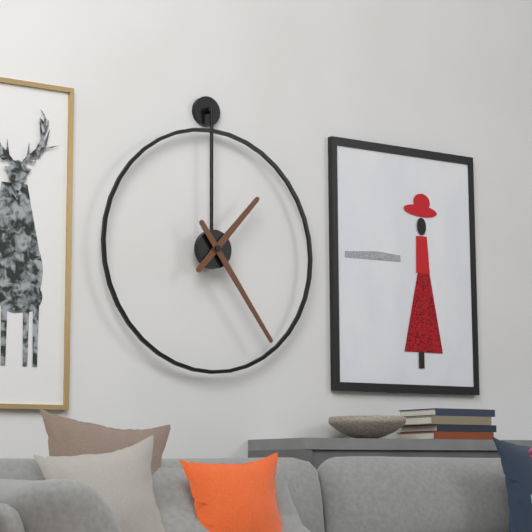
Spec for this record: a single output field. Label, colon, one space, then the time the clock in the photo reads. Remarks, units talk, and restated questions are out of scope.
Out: 1:24
